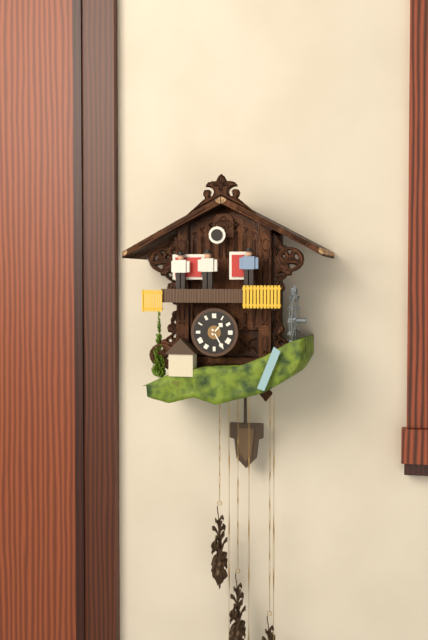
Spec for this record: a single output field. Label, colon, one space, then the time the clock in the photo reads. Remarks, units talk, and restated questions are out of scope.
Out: 1:25
